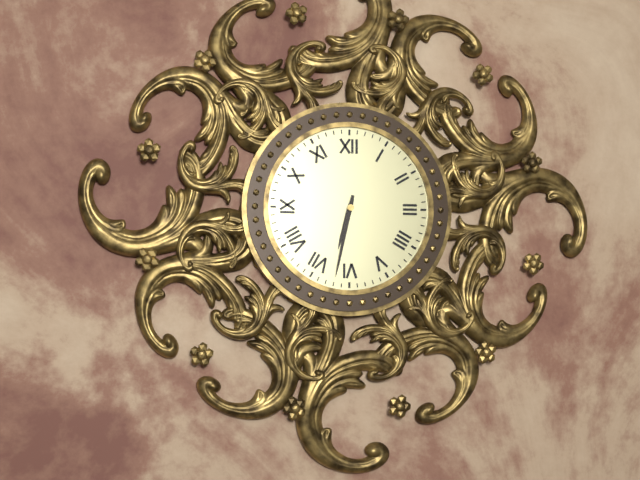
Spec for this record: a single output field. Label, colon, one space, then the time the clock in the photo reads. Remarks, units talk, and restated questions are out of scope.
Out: 6:32
